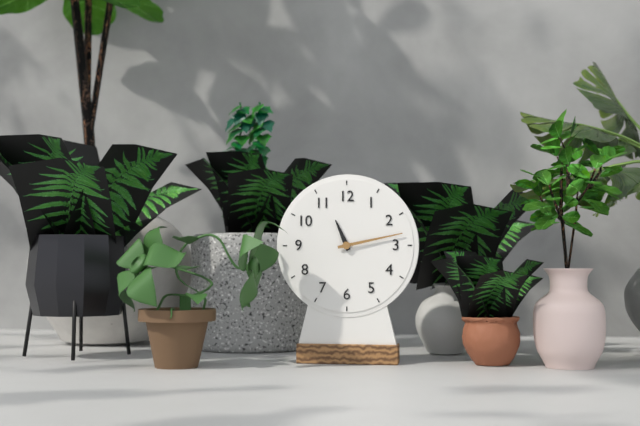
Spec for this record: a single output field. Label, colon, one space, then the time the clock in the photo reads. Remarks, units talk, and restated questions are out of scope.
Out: 11:13
